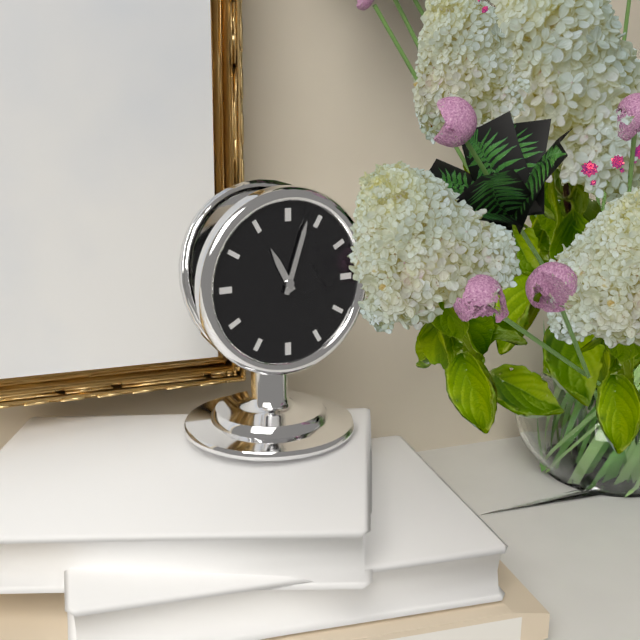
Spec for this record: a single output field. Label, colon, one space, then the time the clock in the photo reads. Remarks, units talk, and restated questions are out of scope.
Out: 11:03
